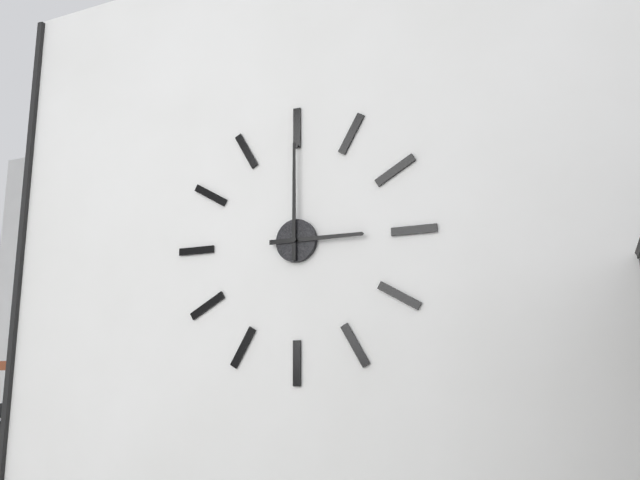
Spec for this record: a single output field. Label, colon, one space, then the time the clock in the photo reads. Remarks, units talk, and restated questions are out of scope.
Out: 3:00
